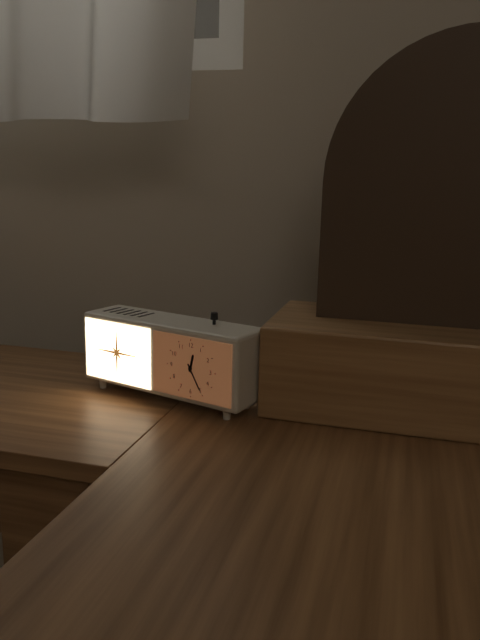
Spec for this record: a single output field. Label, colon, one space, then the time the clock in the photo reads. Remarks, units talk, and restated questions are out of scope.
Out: 12:25
